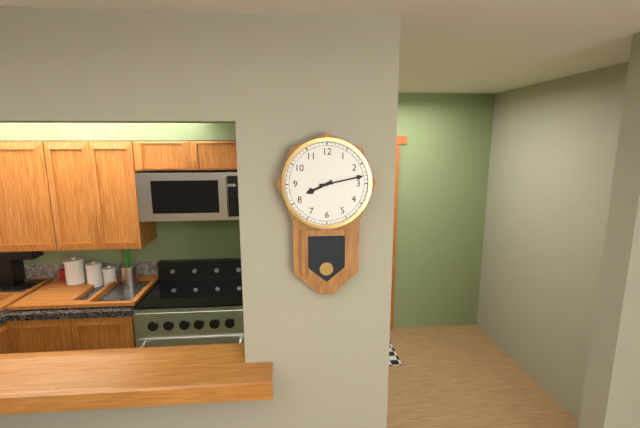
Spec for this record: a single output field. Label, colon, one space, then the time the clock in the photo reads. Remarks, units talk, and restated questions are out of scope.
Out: 8:13
